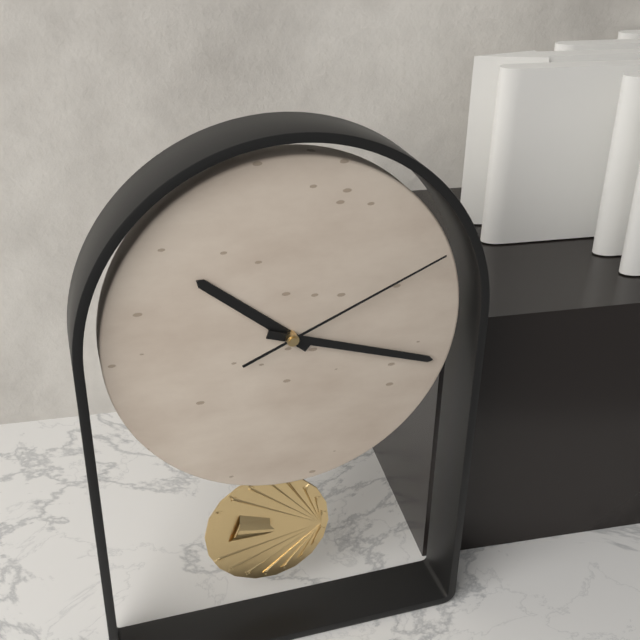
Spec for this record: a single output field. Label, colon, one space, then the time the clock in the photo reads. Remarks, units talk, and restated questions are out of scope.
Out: 10:18:11
